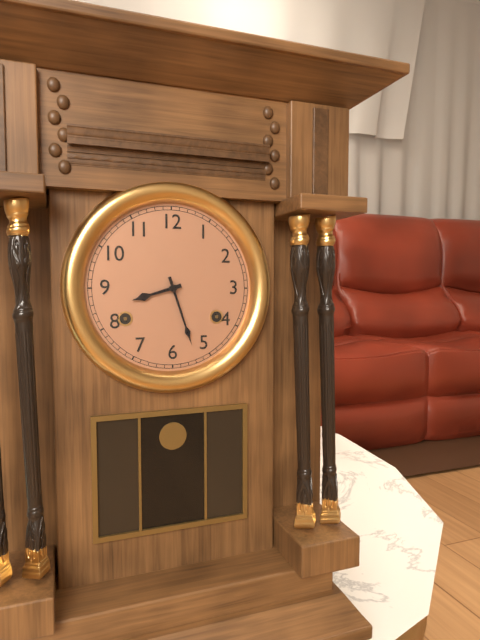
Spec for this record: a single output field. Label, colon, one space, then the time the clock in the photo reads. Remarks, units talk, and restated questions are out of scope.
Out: 8:27
